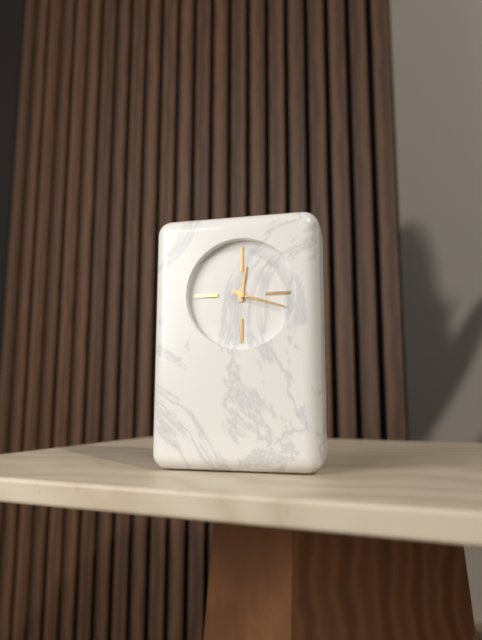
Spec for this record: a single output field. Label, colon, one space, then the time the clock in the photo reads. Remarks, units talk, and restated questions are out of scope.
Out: 12:18
